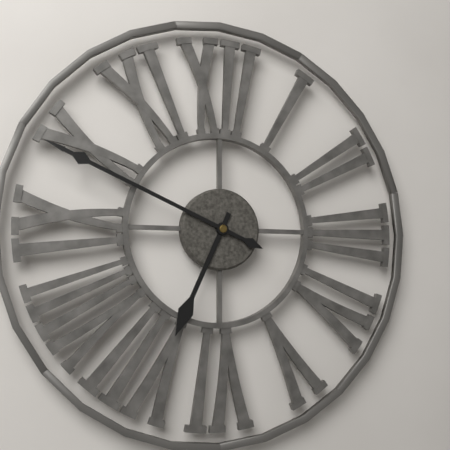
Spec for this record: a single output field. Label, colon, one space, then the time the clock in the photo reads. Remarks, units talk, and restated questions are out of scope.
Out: 6:49
